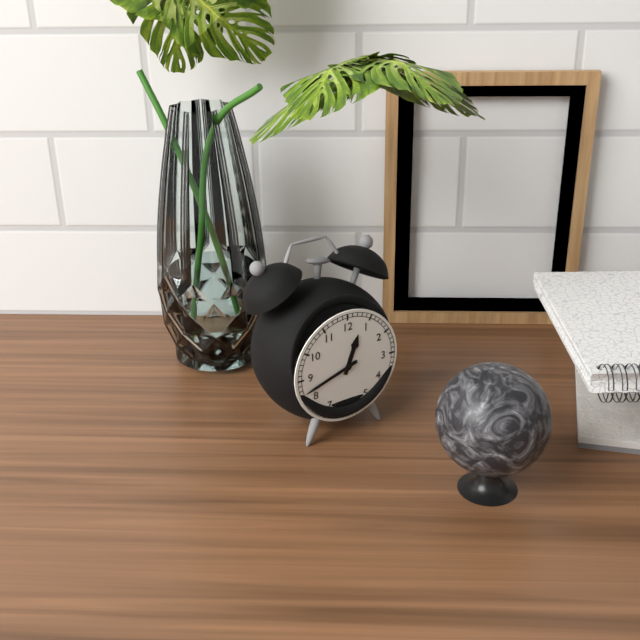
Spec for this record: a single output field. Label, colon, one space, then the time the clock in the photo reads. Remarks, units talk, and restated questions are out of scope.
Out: 12:42
